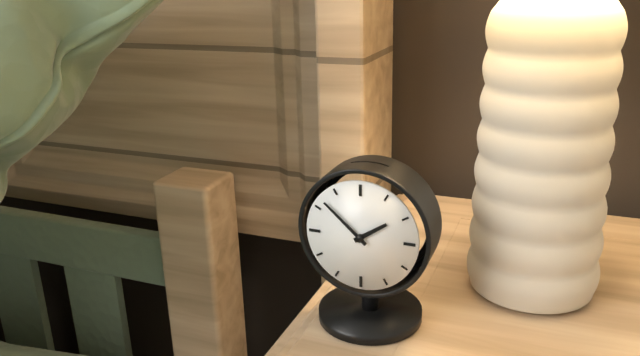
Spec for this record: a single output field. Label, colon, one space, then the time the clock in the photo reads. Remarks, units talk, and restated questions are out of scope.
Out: 1:52
